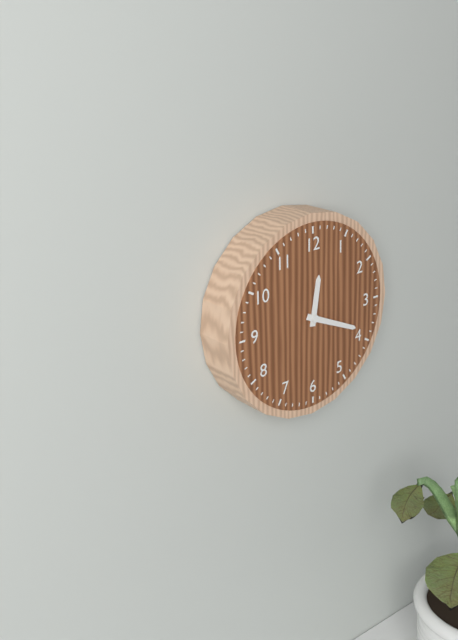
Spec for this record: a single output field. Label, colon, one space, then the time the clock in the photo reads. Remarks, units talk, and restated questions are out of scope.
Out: 12:19
